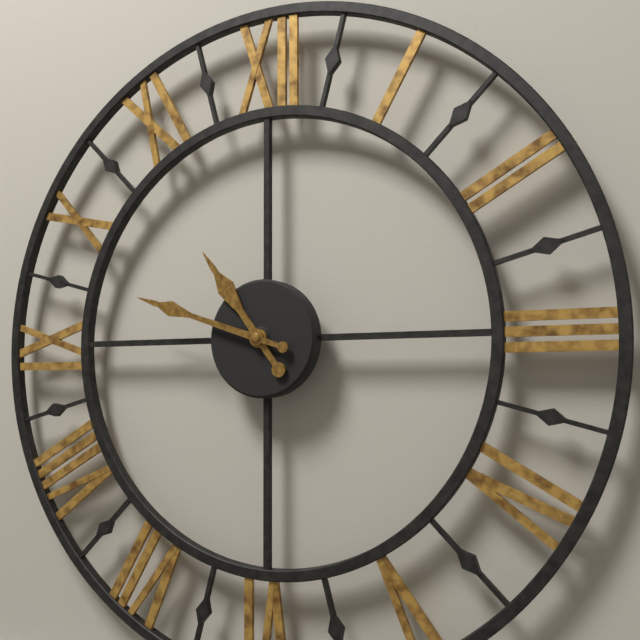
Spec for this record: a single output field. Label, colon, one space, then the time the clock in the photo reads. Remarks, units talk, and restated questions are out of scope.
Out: 10:48
